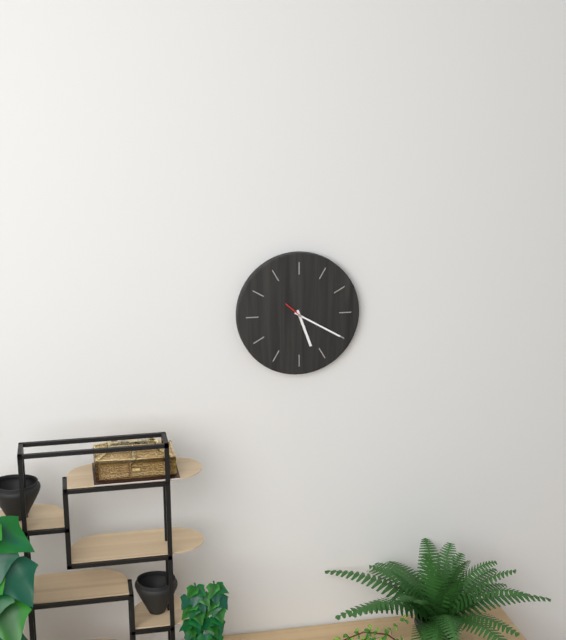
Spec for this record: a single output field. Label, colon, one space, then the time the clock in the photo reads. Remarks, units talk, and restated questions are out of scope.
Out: 5:20
